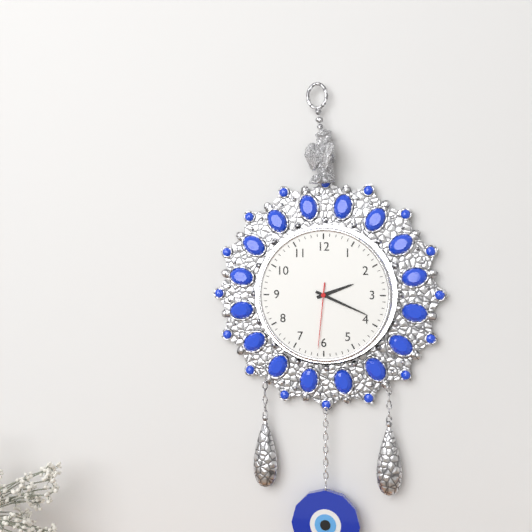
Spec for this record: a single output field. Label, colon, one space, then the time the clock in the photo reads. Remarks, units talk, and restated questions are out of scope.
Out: 2:19:31
